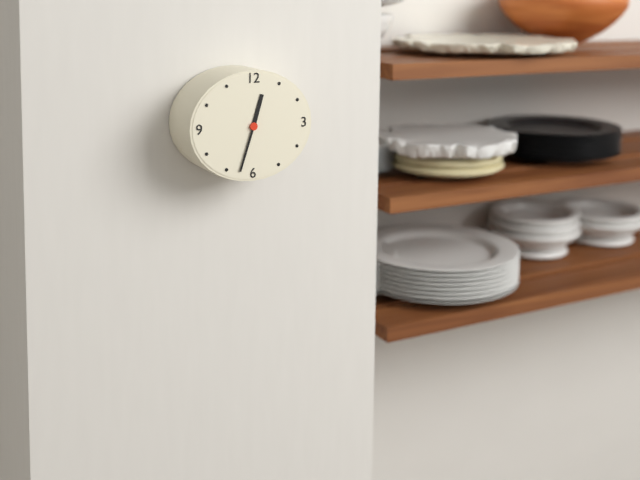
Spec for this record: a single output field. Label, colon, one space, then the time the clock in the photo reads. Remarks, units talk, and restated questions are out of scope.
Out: 12:33
